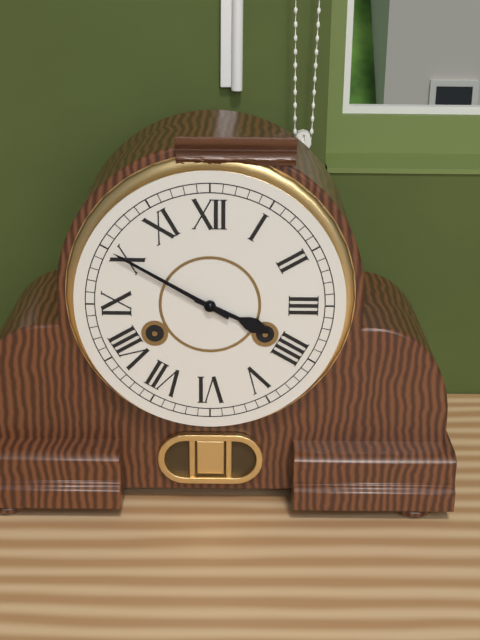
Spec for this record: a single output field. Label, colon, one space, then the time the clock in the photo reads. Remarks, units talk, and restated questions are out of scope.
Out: 3:50
